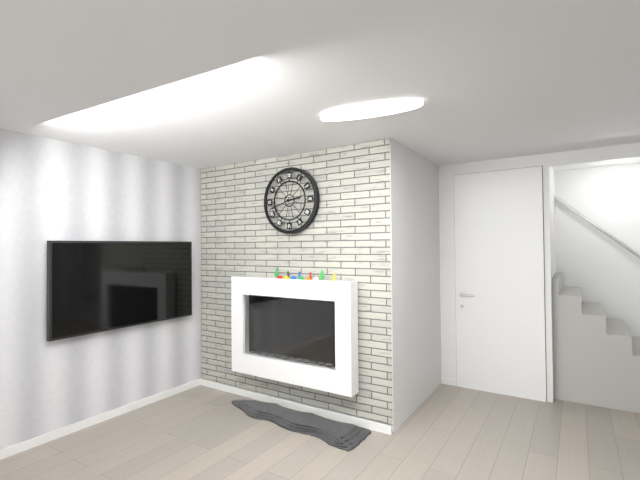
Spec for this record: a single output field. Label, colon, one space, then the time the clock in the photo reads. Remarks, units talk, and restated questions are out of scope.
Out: 2:42
